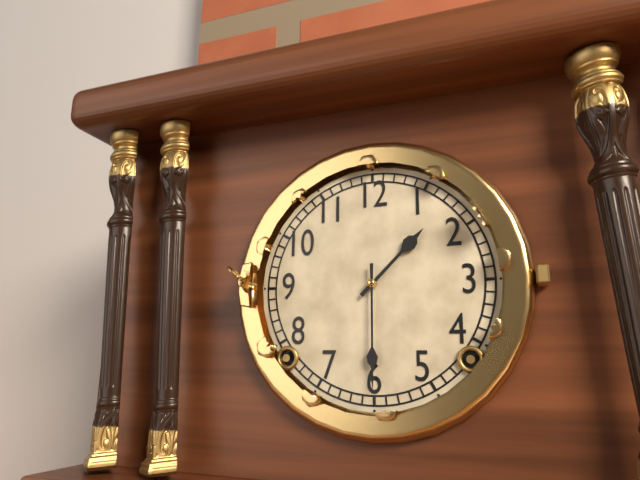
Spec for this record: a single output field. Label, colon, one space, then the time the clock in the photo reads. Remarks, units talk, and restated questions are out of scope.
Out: 1:30
